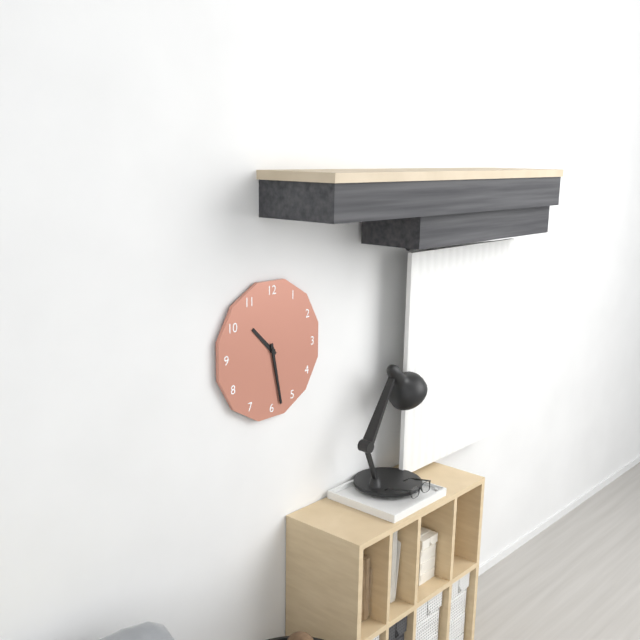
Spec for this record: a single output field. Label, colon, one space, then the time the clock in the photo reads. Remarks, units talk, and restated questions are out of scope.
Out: 10:28
